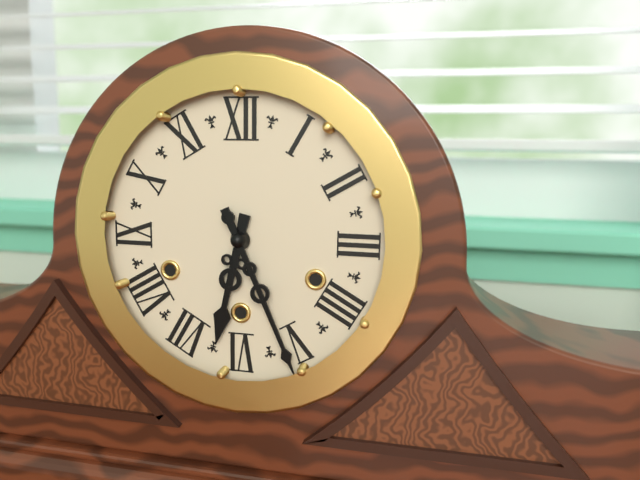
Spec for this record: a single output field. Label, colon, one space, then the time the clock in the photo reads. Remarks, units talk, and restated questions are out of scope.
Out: 6:26
